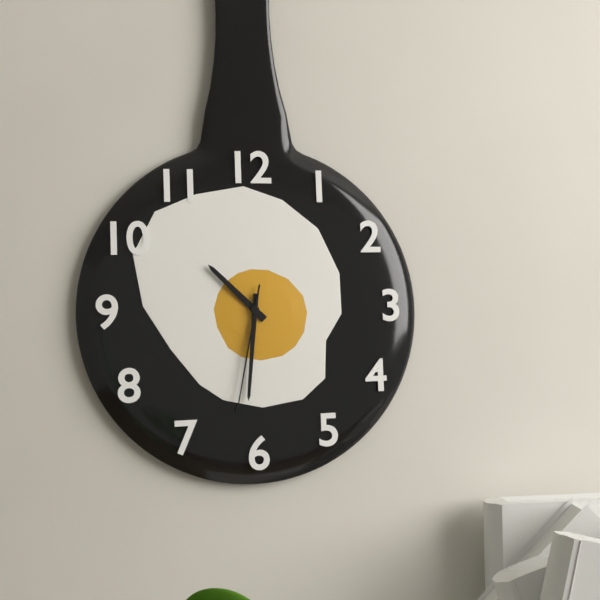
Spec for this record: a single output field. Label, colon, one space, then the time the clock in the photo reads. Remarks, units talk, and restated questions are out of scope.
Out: 10:31:32
